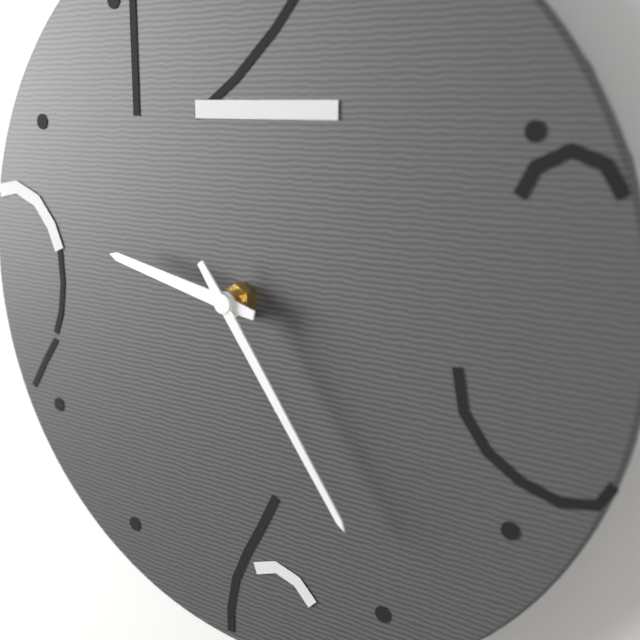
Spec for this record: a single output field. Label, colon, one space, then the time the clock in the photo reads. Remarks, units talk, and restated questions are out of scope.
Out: 9:24
